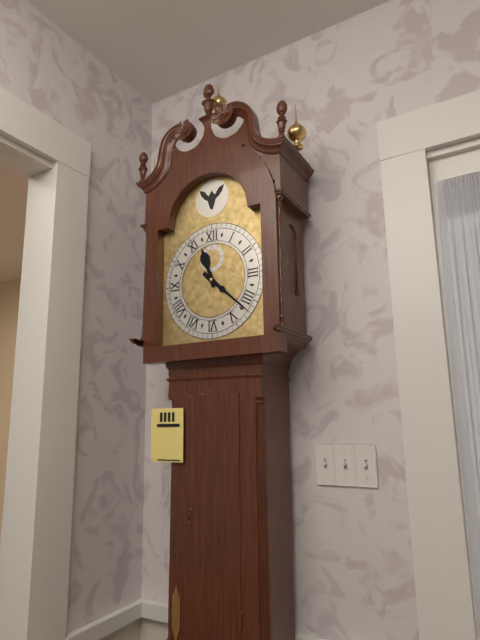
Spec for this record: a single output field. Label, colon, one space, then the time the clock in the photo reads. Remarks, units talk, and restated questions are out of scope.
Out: 11:22
